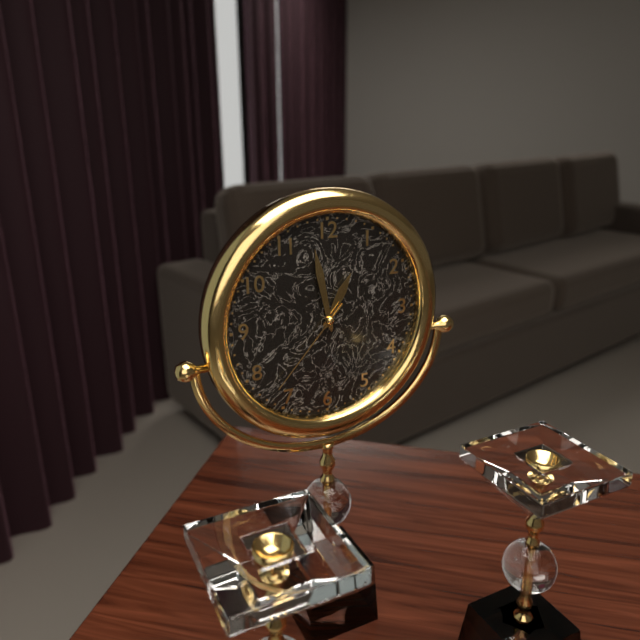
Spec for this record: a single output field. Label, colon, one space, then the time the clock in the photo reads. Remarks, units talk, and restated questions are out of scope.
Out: 12:58:37
